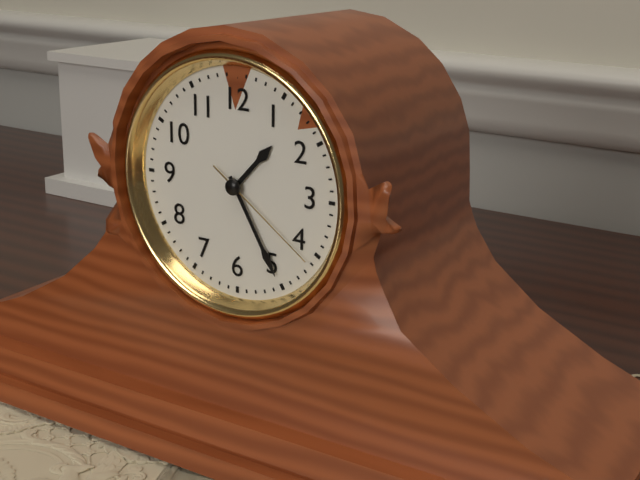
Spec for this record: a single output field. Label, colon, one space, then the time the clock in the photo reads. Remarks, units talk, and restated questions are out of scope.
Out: 1:25:21
